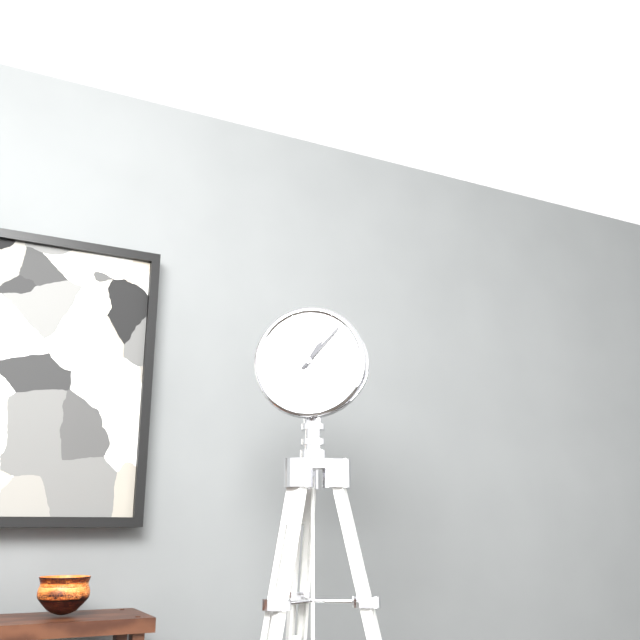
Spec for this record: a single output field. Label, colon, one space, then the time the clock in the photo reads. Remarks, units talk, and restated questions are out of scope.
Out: 1:07
